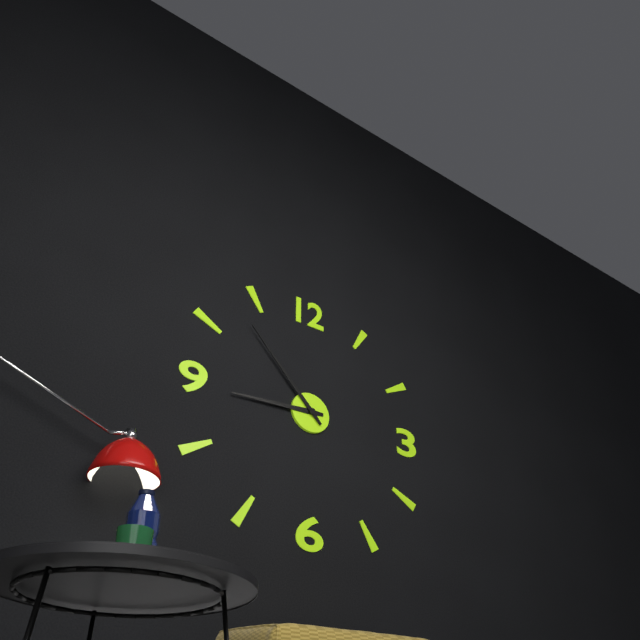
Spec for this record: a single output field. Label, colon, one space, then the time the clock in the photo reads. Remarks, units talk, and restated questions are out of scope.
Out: 8:53
